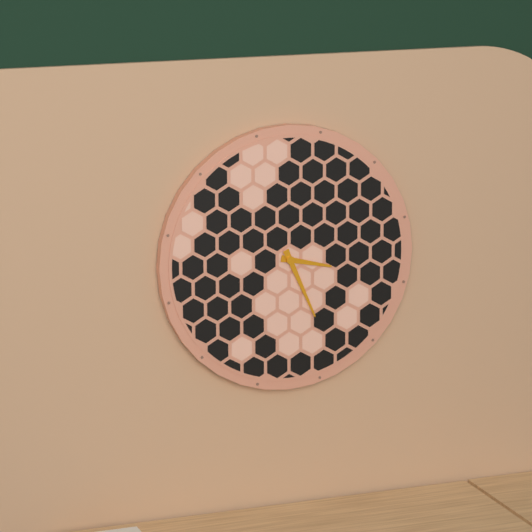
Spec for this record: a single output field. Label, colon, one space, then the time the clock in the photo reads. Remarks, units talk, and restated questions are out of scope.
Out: 3:26
